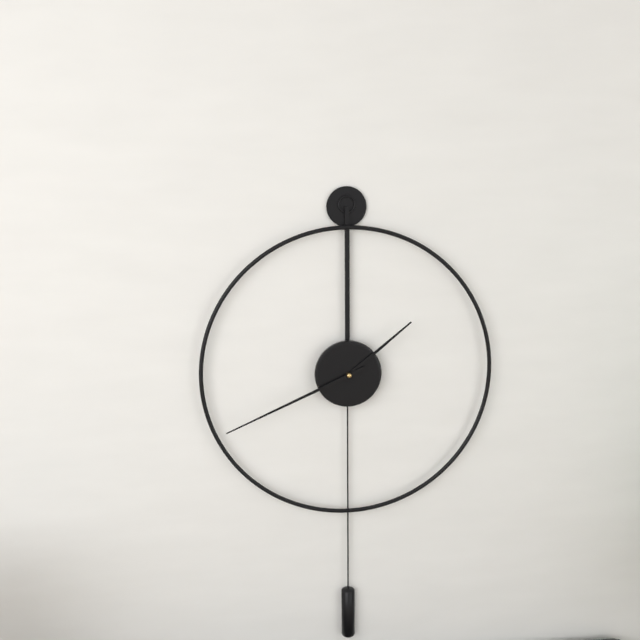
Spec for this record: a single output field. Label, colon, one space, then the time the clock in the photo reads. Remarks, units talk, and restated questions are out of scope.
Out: 1:41
